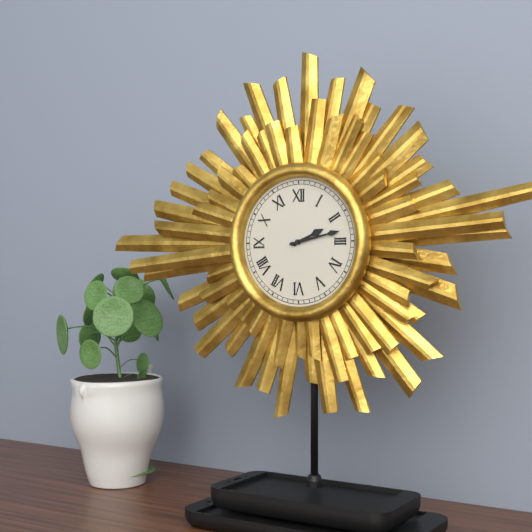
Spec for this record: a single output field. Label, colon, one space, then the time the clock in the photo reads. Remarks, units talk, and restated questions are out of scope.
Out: 2:13
